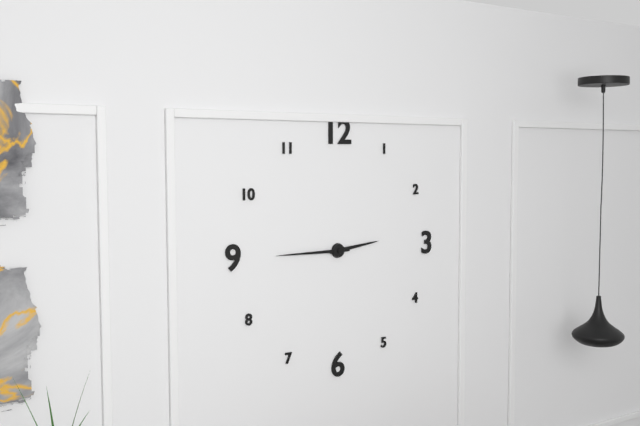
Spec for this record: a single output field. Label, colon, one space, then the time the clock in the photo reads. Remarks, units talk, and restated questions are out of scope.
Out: 2:45
